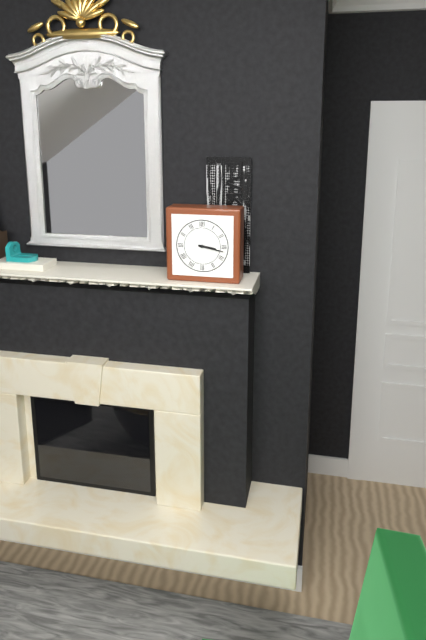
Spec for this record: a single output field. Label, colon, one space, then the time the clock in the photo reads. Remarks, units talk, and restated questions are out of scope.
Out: 3:17
